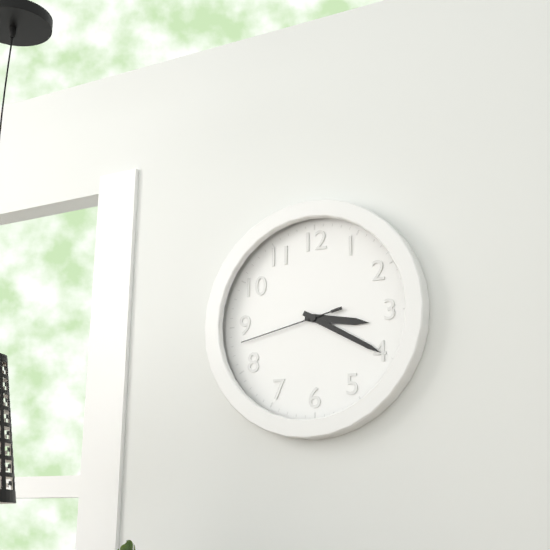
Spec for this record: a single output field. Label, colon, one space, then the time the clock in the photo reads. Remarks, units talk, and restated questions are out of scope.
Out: 3:20:43
